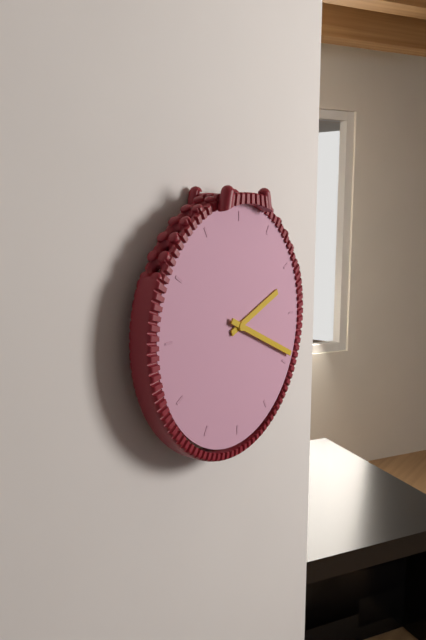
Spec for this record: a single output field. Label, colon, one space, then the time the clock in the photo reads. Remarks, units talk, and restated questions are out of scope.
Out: 2:19
